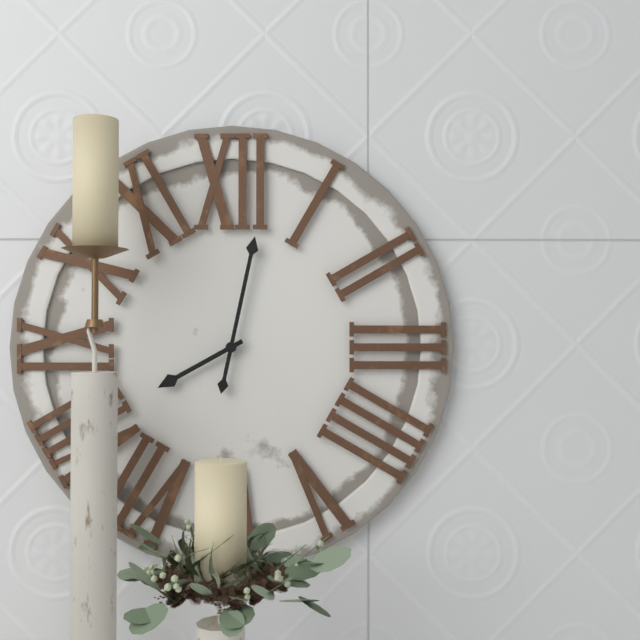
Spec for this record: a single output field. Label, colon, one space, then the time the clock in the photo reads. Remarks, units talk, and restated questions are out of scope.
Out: 8:02
